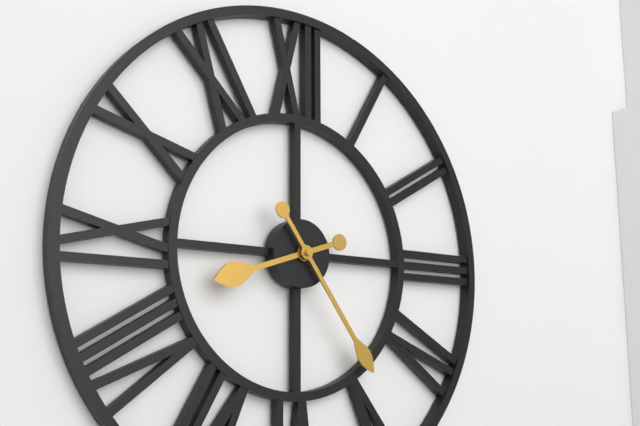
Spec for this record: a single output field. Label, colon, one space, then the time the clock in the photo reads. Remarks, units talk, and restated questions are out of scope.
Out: 8:24
